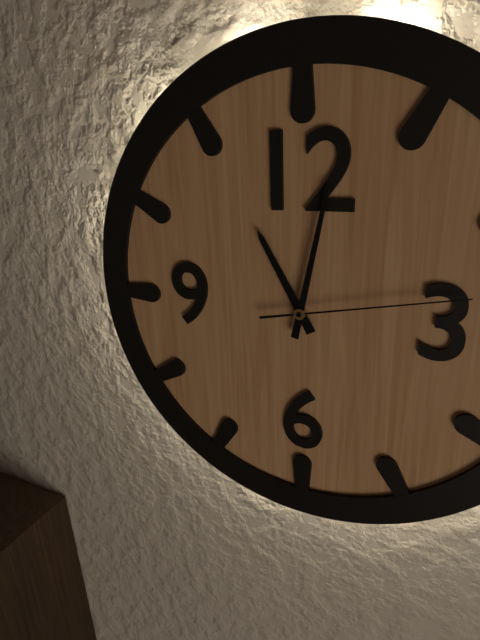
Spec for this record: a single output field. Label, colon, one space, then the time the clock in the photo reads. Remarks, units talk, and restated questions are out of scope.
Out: 11:02:13
